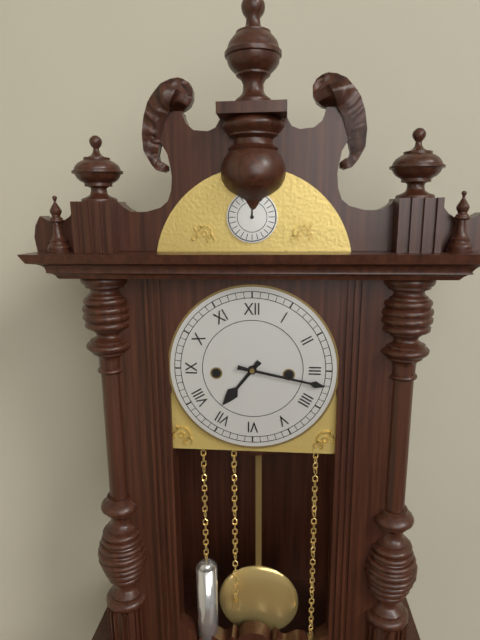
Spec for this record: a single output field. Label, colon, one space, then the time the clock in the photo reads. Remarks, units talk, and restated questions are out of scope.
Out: 7:17
